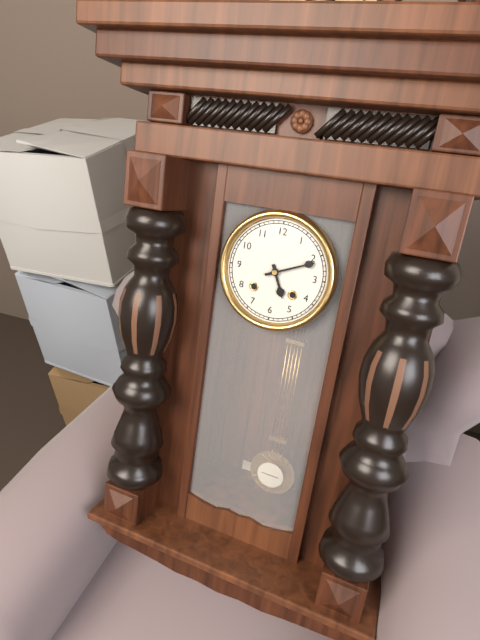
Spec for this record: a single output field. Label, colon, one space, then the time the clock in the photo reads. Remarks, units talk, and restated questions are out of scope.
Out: 5:11
